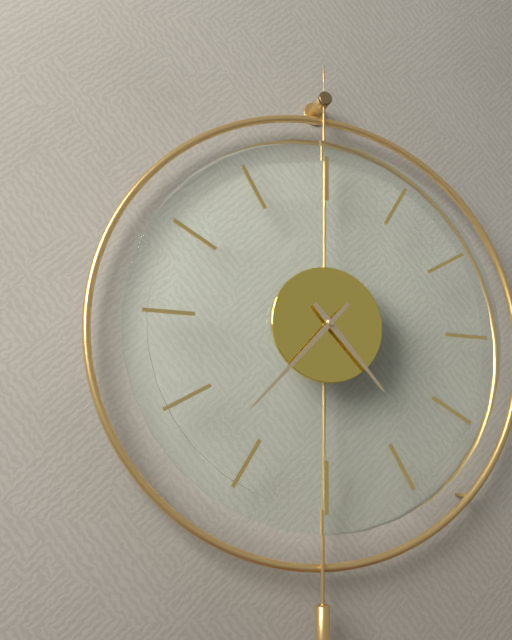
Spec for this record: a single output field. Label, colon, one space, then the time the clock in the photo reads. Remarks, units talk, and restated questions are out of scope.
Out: 4:37
